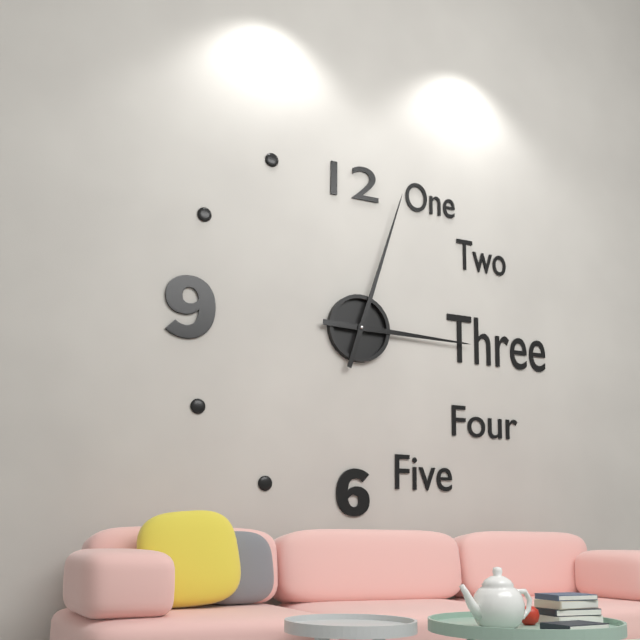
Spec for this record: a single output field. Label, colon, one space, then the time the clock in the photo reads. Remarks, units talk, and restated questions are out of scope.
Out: 3:03
